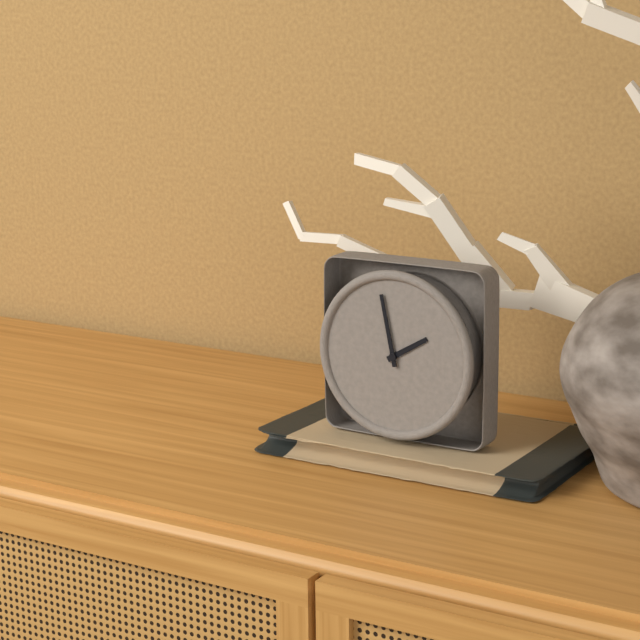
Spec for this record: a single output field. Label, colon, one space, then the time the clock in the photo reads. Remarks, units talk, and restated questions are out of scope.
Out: 1:58
